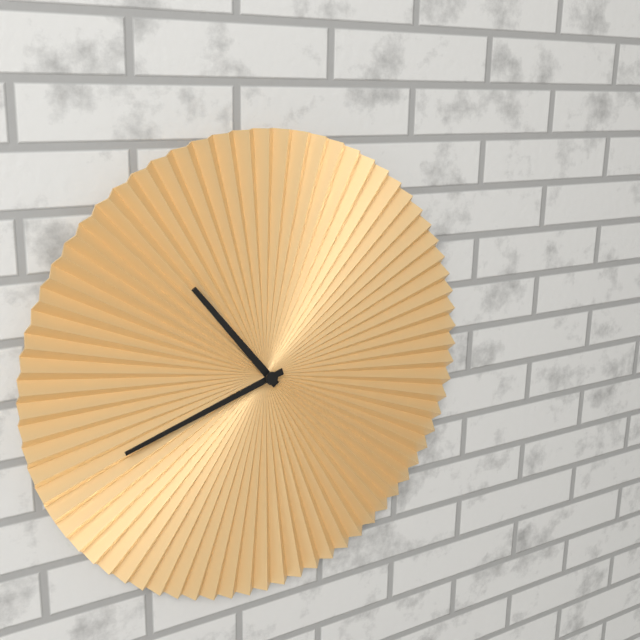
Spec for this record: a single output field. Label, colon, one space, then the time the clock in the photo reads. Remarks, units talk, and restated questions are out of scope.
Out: 10:42
